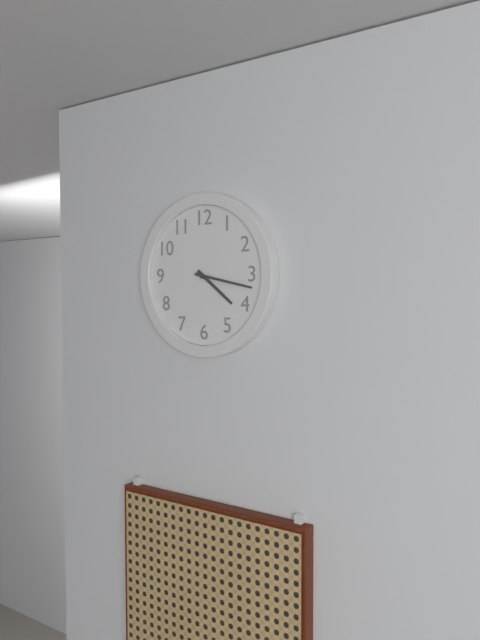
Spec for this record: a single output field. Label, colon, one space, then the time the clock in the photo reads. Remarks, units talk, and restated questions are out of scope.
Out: 4:17
